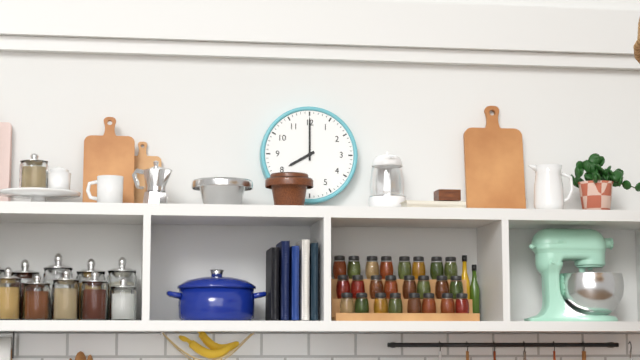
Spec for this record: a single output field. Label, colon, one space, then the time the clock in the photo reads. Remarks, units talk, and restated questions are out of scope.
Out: 8:00
